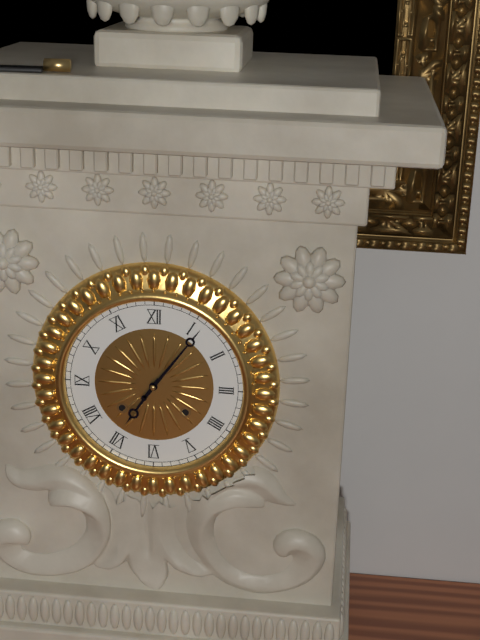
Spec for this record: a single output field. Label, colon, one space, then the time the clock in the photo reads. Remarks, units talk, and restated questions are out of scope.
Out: 7:06
